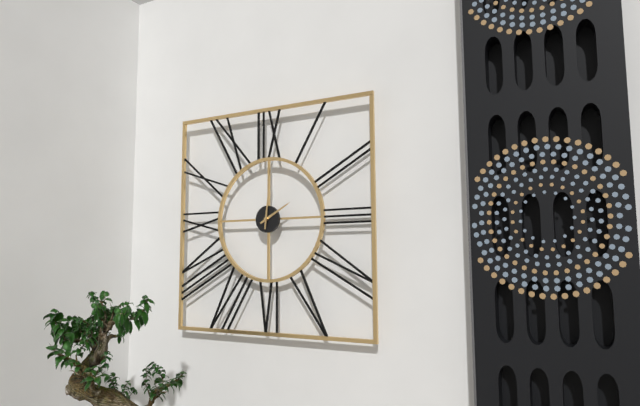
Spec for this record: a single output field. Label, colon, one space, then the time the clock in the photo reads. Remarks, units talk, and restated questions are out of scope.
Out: 2:01
